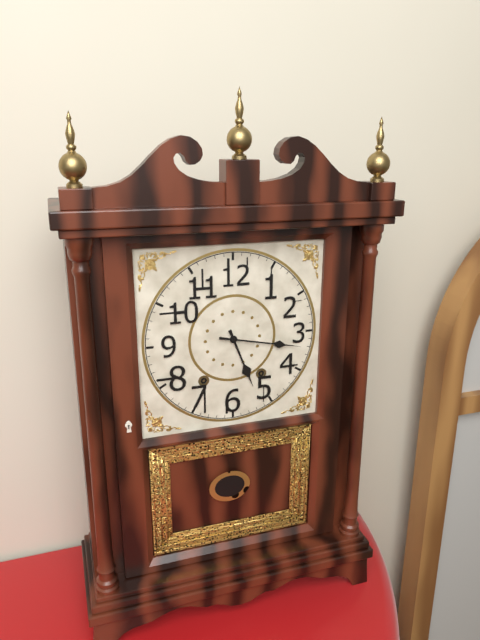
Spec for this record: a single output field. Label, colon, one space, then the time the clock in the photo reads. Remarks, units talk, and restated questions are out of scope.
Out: 5:17
